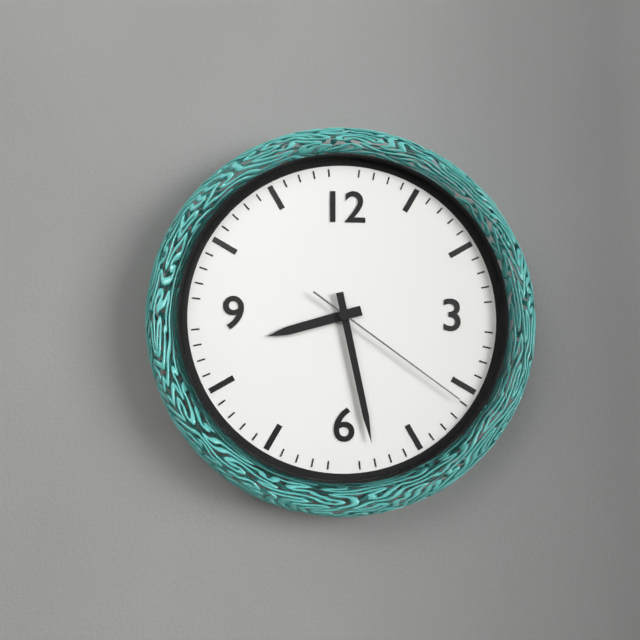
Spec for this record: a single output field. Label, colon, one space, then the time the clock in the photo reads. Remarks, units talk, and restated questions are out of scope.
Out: 8:28:21
